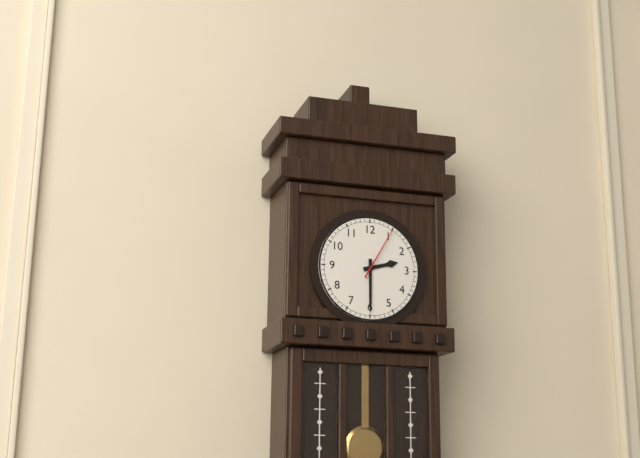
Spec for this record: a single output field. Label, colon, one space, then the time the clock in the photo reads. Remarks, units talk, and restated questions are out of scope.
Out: 2:30:05
